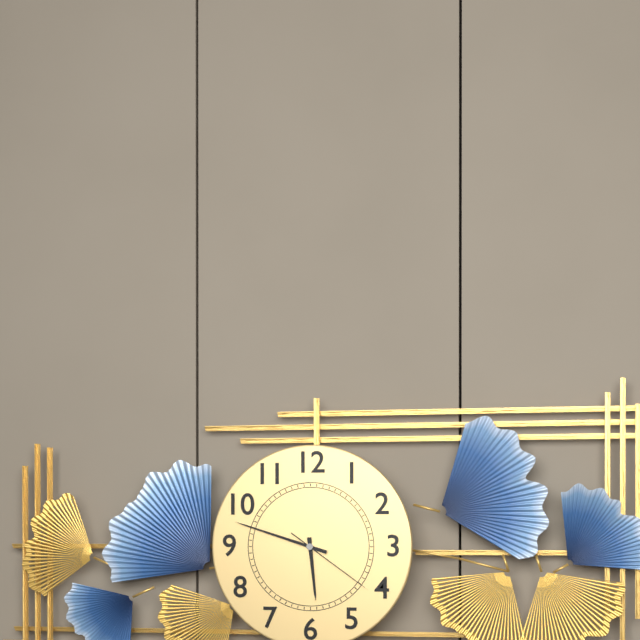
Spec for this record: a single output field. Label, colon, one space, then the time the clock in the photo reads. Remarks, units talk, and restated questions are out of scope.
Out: 5:48:21
